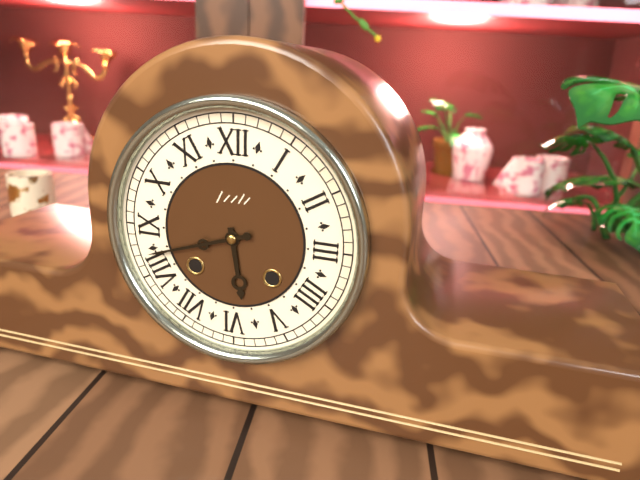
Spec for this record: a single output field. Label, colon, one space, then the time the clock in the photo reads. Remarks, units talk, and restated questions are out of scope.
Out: 5:42
